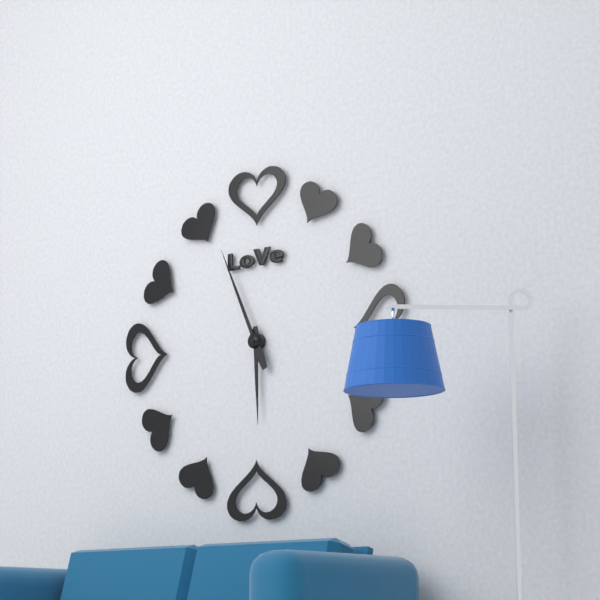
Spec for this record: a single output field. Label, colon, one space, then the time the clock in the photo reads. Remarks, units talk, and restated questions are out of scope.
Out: 5:56
